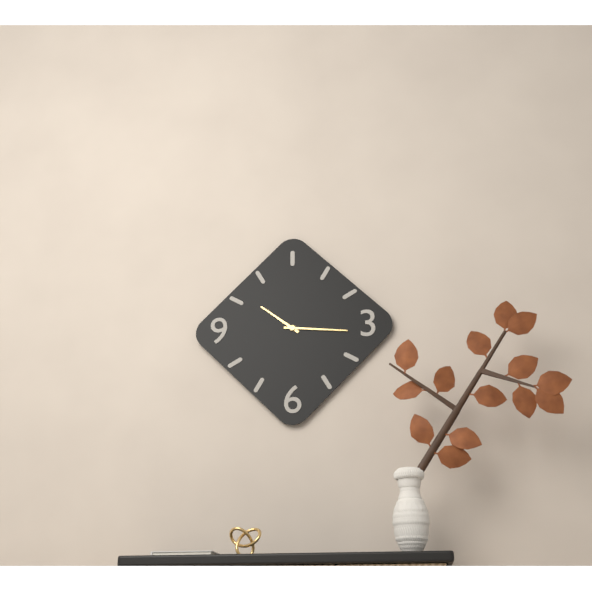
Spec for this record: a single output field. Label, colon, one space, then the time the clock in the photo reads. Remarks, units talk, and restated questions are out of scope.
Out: 10:16
